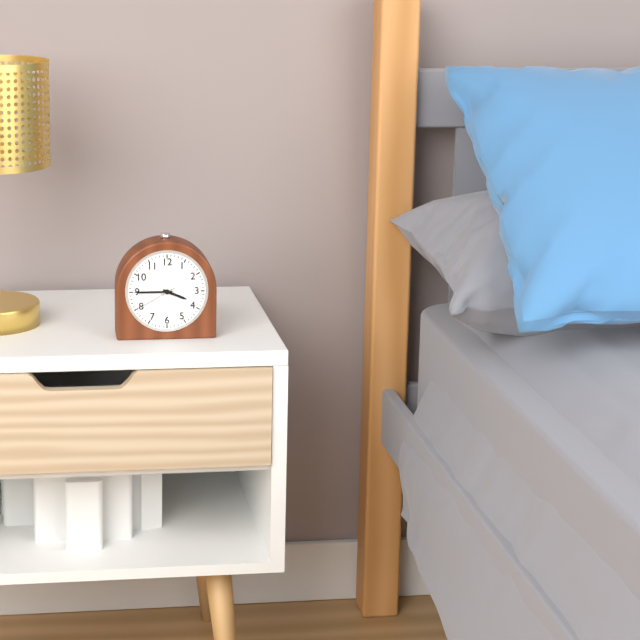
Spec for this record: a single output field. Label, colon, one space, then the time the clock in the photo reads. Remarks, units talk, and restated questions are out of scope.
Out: 3:45
